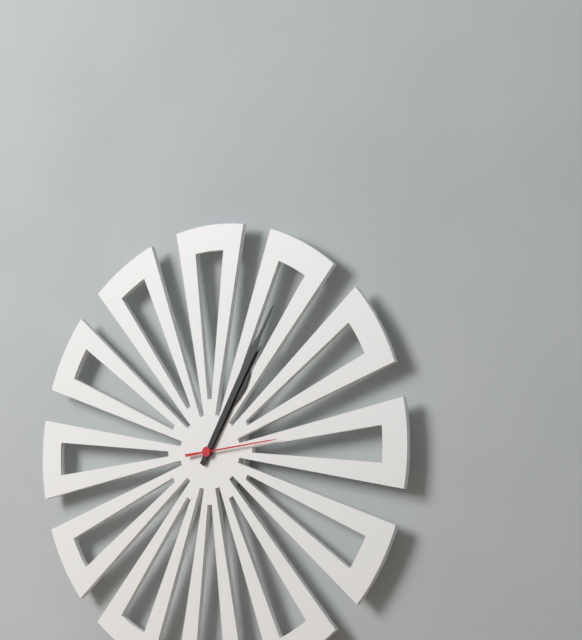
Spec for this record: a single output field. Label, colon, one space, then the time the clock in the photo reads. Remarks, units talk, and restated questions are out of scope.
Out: 1:05:14
